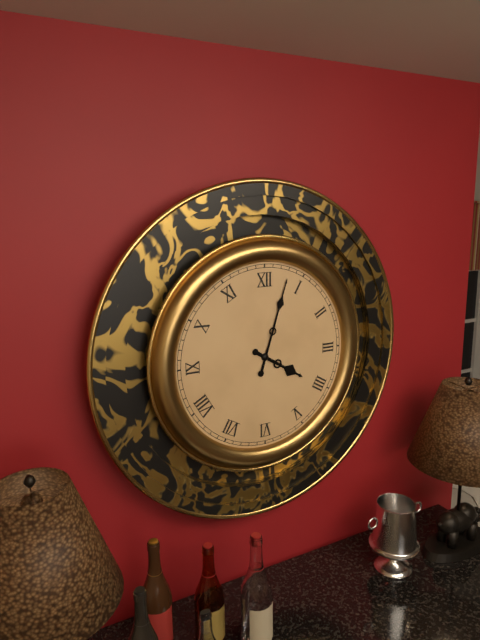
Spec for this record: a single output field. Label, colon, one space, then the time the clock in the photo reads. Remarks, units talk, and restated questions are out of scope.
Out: 4:03
